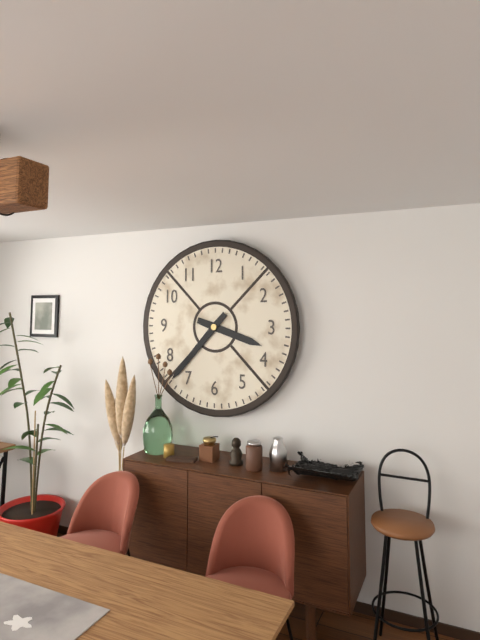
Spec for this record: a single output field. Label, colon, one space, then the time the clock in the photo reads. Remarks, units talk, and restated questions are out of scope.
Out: 3:37
